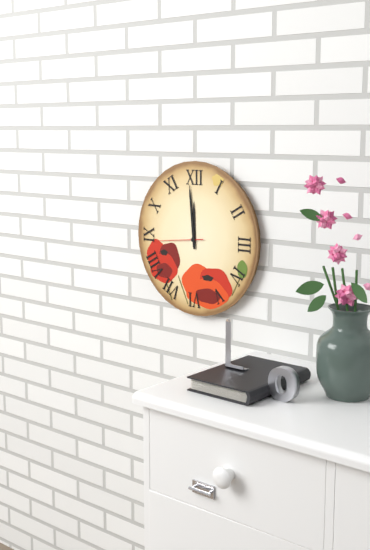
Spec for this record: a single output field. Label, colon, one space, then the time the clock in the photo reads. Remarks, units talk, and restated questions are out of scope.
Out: 11:59
